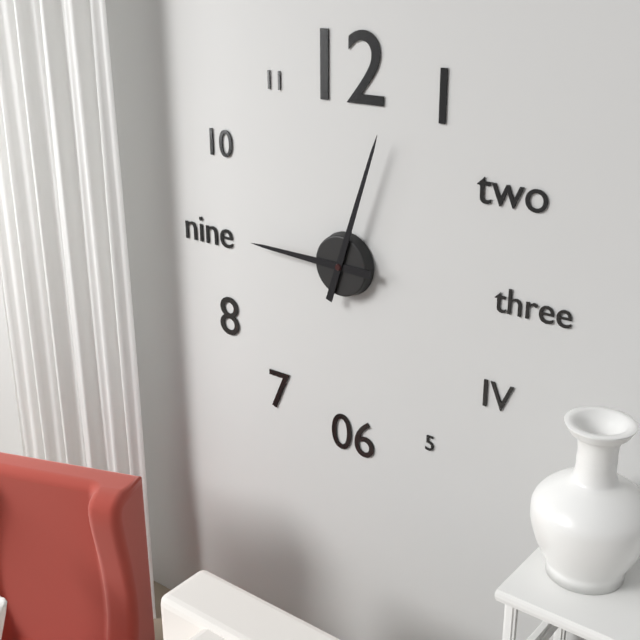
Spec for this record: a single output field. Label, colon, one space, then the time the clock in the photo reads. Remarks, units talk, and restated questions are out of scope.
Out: 9:03
